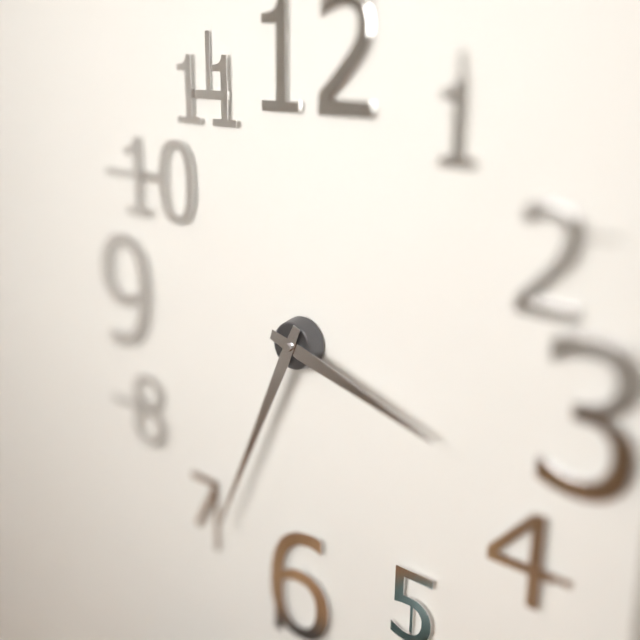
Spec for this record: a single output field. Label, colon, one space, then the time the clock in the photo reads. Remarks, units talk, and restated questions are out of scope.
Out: 3:34
